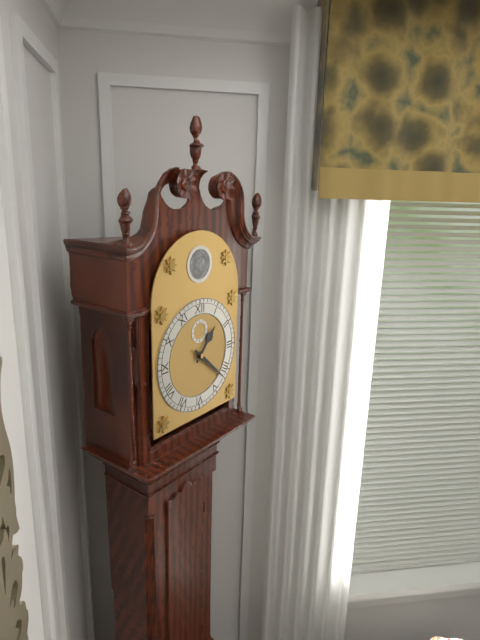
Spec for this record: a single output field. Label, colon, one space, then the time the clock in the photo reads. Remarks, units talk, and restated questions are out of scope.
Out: 1:22
